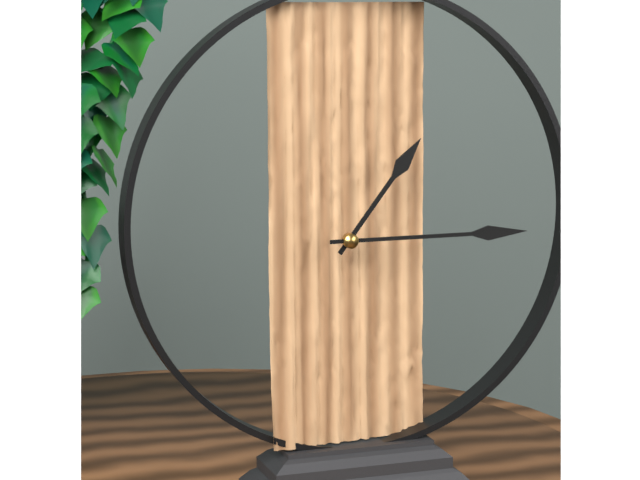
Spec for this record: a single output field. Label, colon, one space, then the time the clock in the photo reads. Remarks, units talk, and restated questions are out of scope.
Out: 1:15
